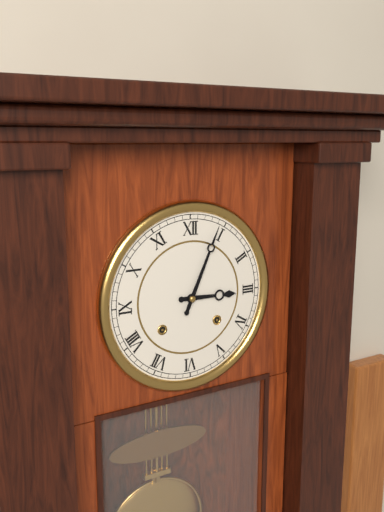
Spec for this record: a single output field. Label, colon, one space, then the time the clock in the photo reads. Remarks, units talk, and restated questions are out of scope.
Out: 3:04
